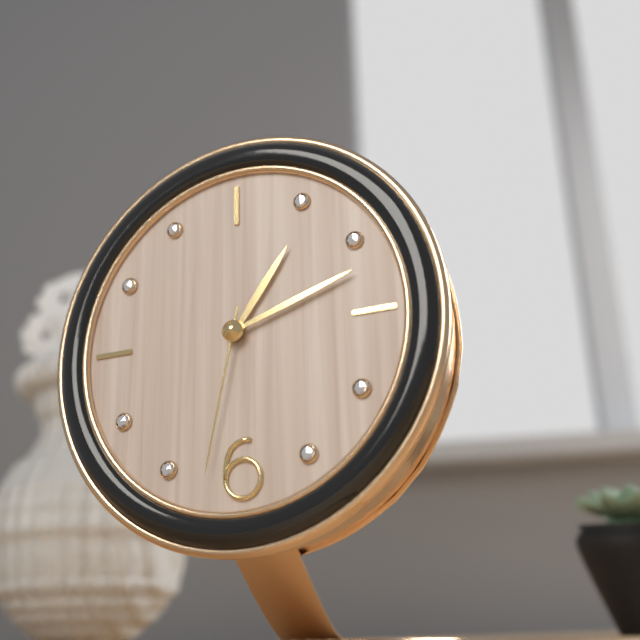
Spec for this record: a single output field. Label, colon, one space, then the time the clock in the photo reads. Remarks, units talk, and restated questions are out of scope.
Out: 1:12:32
